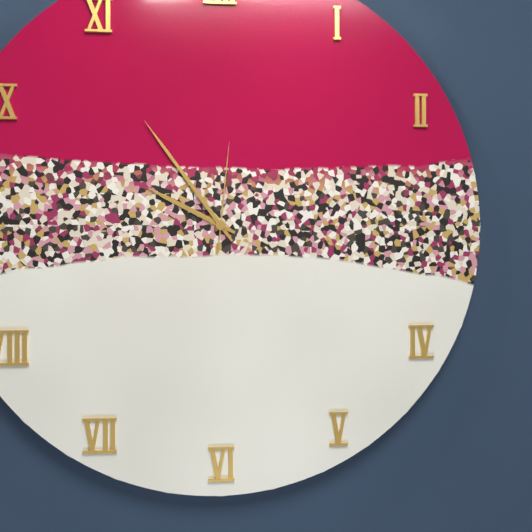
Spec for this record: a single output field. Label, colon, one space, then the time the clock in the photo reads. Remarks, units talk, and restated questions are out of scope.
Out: 9:54:01
